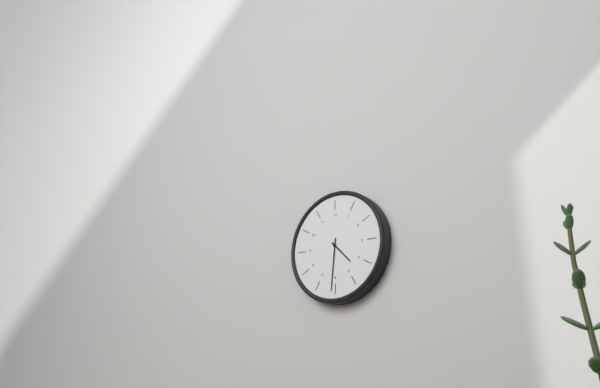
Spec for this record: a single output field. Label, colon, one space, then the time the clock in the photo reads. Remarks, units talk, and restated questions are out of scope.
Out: 4:31
